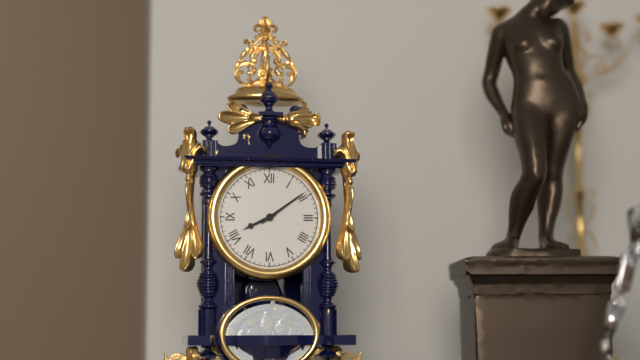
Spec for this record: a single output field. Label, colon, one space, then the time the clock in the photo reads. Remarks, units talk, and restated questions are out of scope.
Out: 8:09
